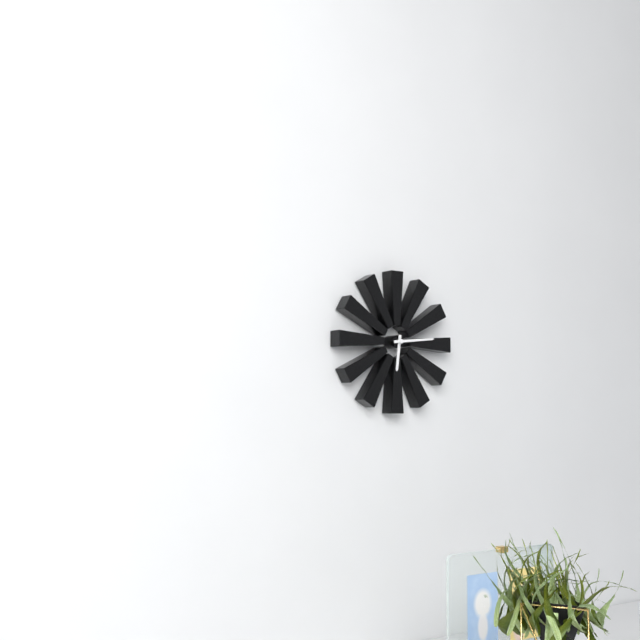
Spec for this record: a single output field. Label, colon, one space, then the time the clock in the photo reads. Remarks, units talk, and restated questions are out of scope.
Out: 6:14
